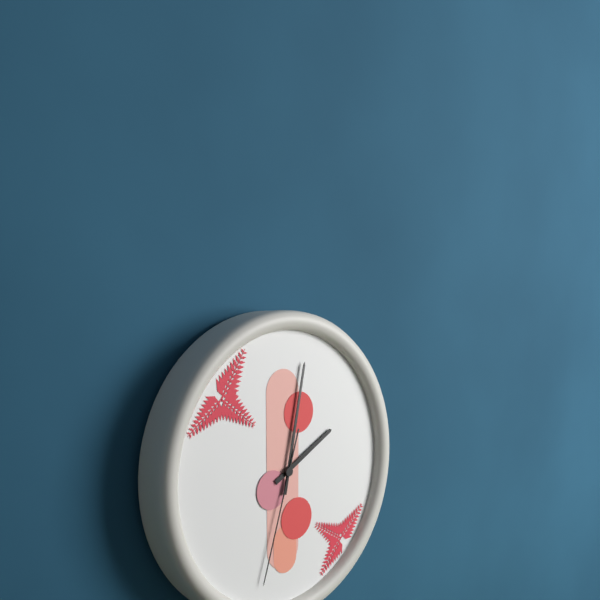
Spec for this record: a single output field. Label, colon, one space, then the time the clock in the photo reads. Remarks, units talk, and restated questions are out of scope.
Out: 2:02:33
